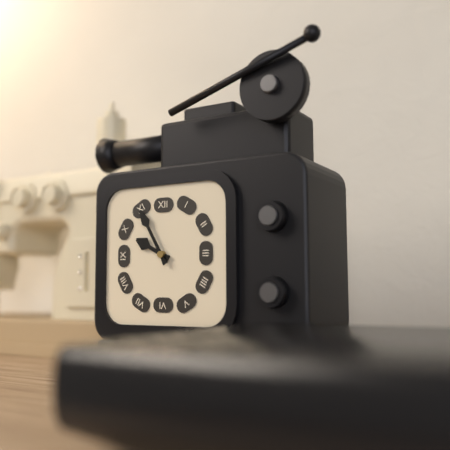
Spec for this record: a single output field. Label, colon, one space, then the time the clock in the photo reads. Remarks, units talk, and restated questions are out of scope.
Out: 9:55
